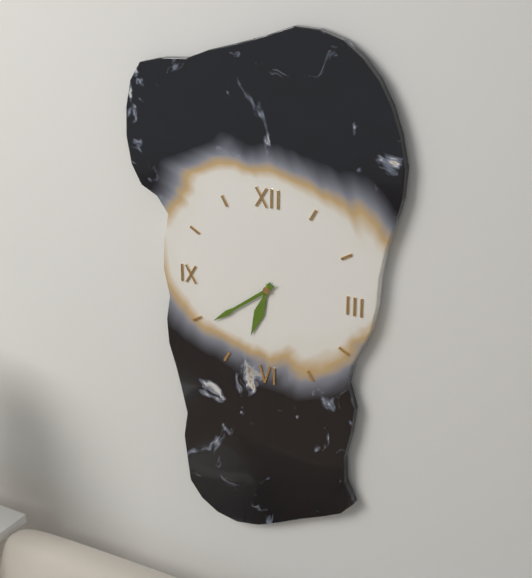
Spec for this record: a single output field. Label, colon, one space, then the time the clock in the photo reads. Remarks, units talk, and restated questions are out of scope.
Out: 6:39
